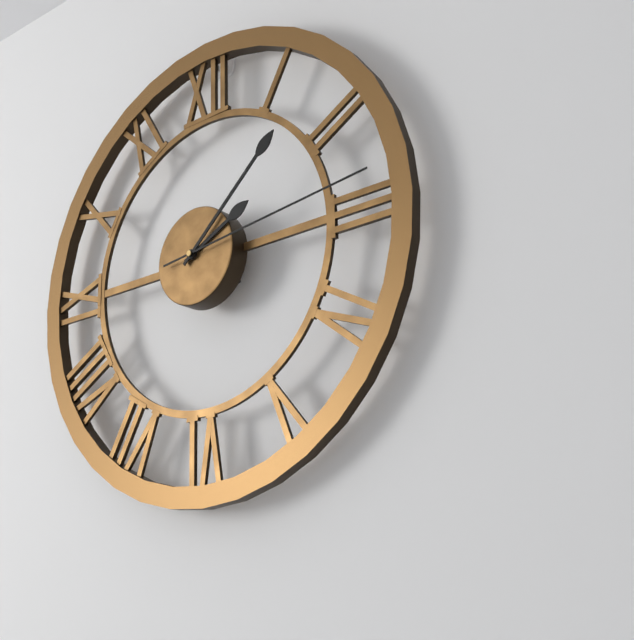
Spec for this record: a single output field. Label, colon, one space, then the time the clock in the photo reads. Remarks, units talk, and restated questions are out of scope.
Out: 2:08:14
